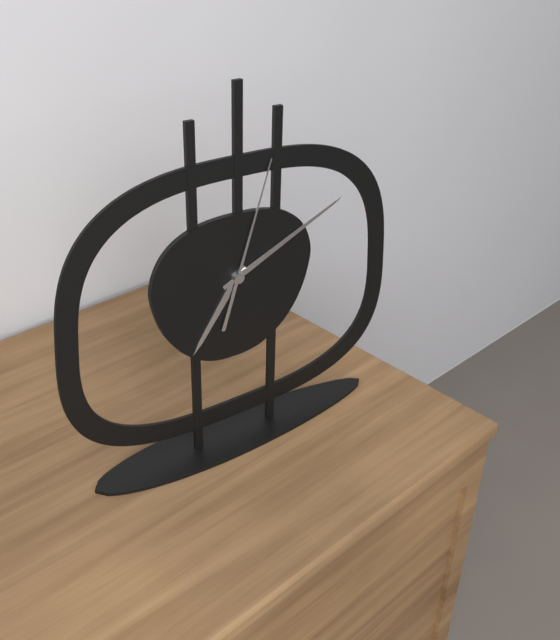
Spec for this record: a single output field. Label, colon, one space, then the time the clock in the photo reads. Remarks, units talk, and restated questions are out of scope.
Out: 7:11:03
